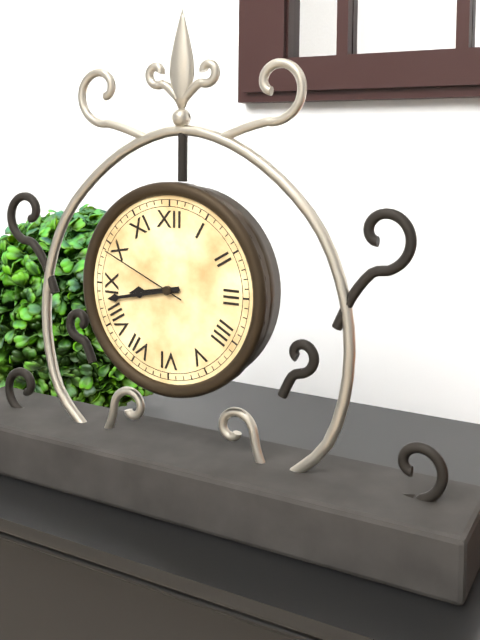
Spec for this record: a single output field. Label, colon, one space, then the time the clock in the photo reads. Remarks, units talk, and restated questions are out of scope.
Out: 8:43:49
